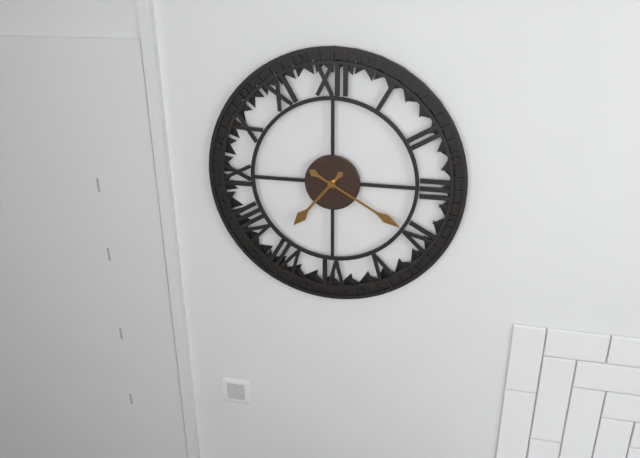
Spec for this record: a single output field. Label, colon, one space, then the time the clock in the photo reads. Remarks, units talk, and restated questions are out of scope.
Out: 7:20
